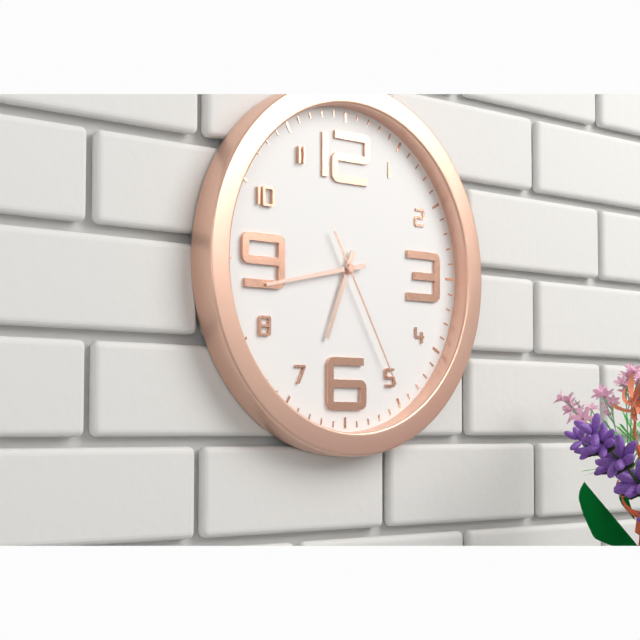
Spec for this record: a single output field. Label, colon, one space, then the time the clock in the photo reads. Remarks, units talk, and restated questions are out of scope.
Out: 6:43:25
